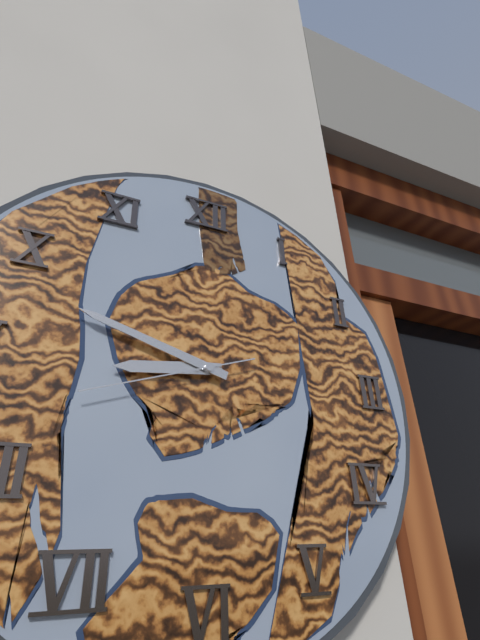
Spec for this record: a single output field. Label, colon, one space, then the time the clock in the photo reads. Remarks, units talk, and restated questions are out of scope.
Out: 8:48:42
